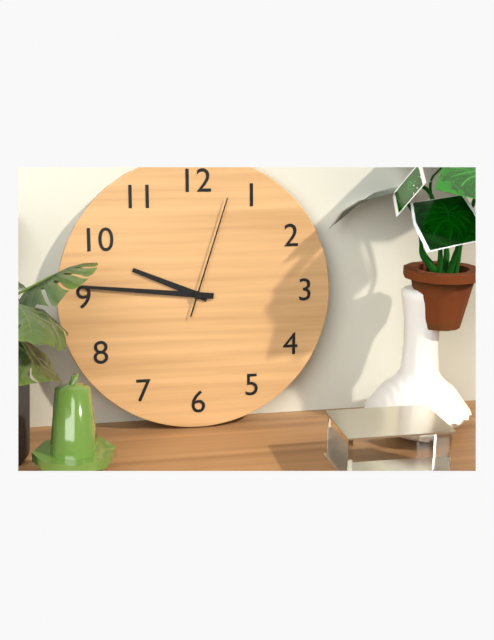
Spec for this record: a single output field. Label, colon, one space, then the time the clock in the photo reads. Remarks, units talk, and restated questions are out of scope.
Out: 9:46:03
